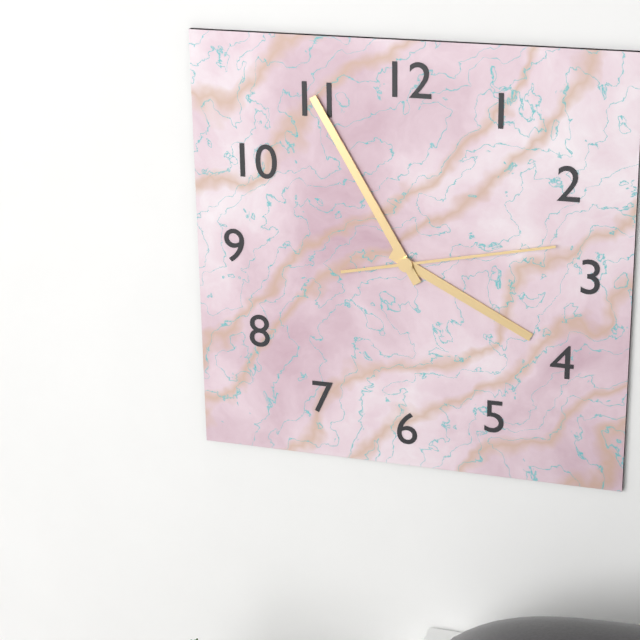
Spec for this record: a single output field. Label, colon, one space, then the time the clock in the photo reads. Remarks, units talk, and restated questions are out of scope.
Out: 3:55:13
